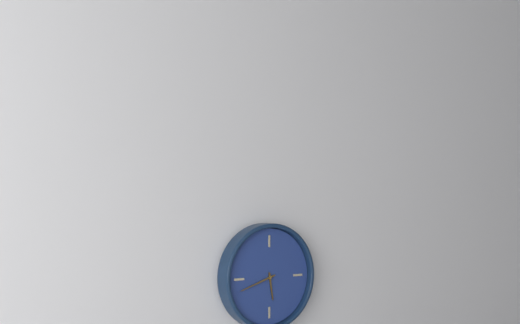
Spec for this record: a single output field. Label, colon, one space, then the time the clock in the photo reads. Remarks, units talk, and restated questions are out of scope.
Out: 5:42
